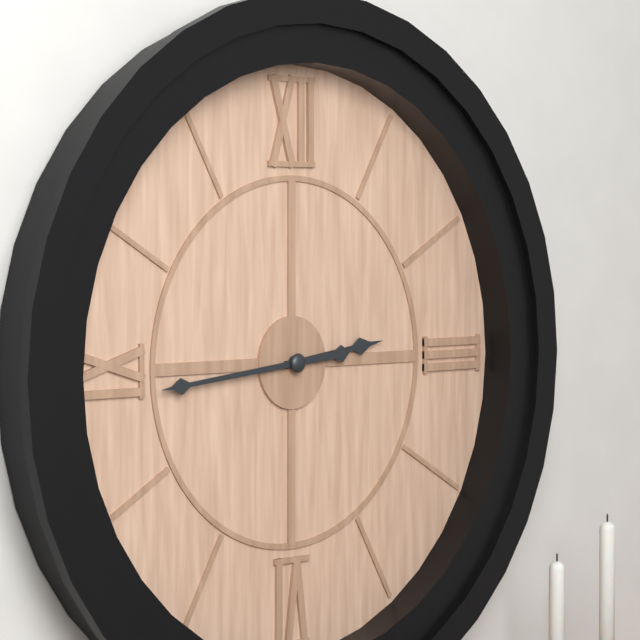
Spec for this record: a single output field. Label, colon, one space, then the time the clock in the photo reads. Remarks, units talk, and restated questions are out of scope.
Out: 2:44
